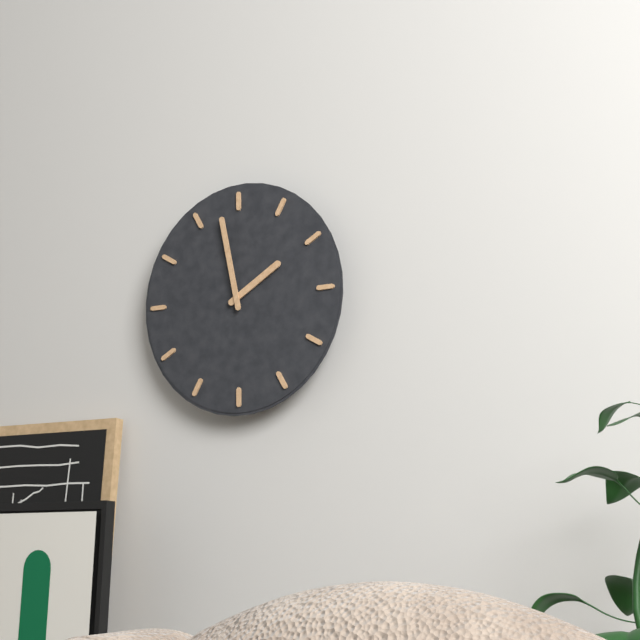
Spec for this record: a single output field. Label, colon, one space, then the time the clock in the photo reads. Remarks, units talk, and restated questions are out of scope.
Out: 1:58
